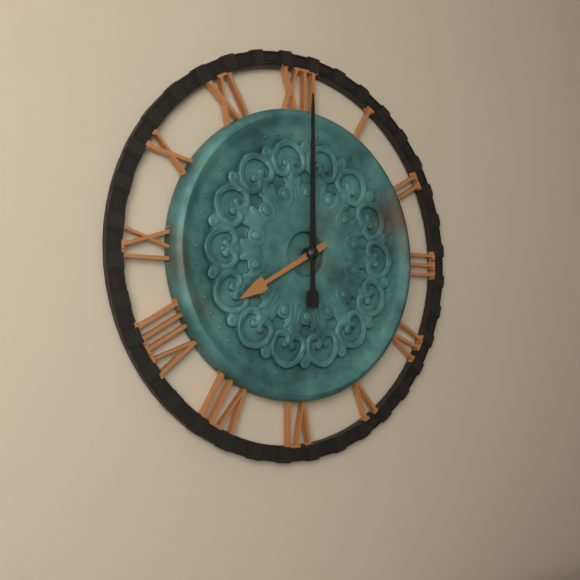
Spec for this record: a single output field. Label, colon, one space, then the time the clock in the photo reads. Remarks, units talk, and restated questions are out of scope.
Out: 8:00
